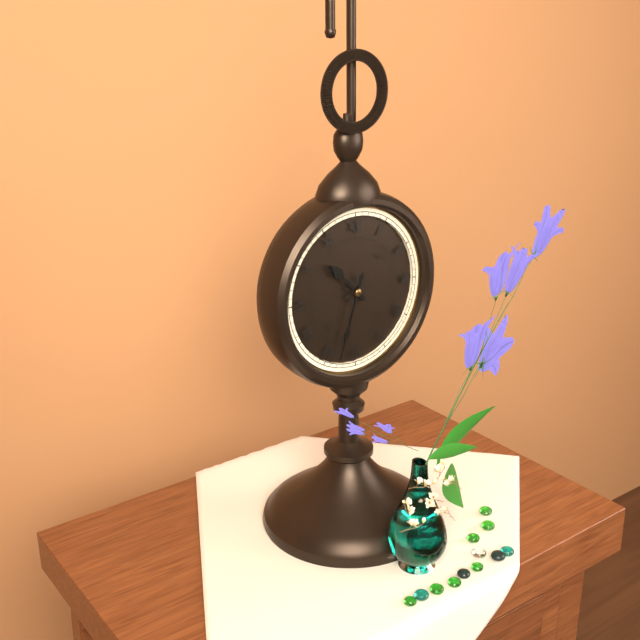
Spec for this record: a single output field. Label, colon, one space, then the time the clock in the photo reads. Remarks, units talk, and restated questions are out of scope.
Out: 10:33
